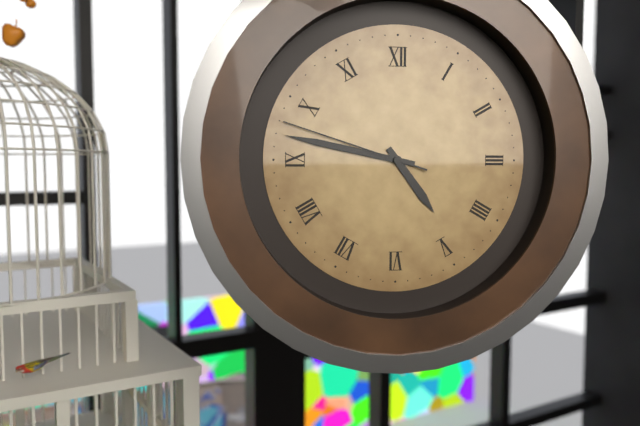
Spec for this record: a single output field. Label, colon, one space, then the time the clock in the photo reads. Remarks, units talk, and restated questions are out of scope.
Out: 4:47:48
